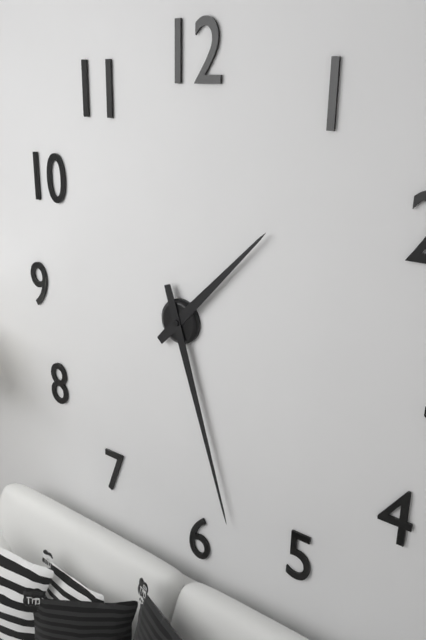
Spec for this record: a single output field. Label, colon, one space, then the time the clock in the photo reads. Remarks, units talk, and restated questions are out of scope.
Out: 1:27
